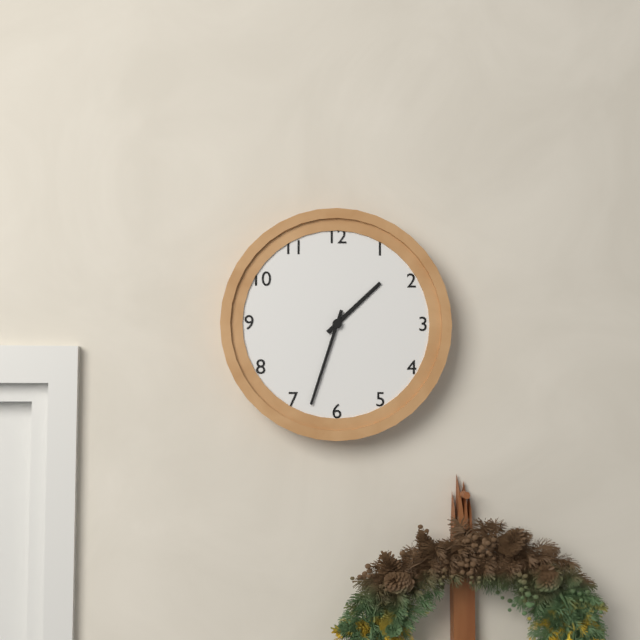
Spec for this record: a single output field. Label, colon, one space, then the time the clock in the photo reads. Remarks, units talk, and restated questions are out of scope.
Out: 1:33
